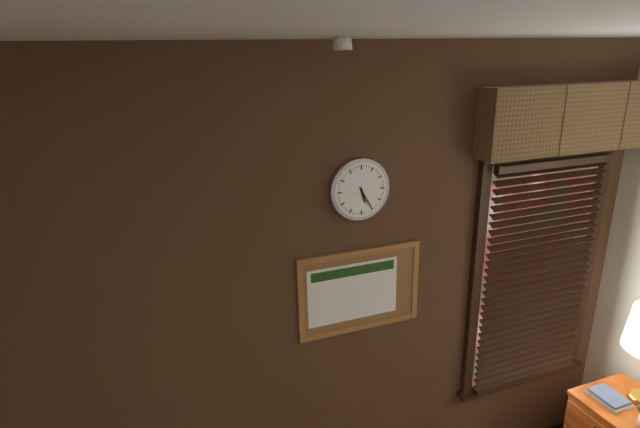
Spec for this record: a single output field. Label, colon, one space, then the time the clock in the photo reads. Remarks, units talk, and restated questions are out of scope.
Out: 5:25
